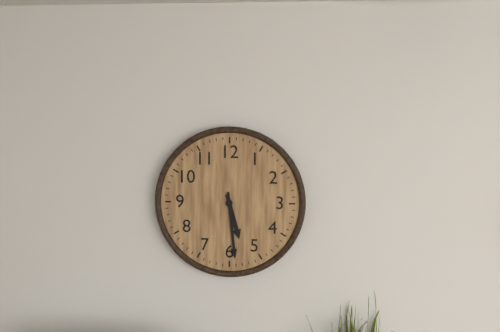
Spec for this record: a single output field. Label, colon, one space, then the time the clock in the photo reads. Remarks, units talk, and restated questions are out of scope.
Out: 5:29
